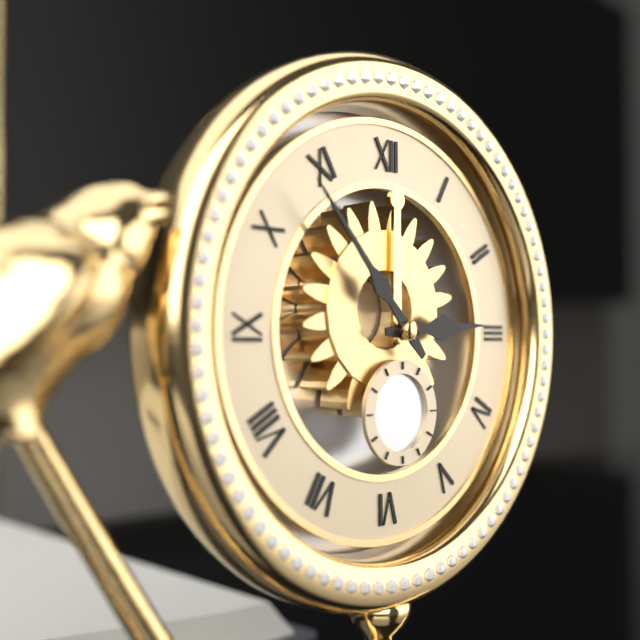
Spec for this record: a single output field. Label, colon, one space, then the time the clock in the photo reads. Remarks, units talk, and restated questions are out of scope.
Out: 2:53
